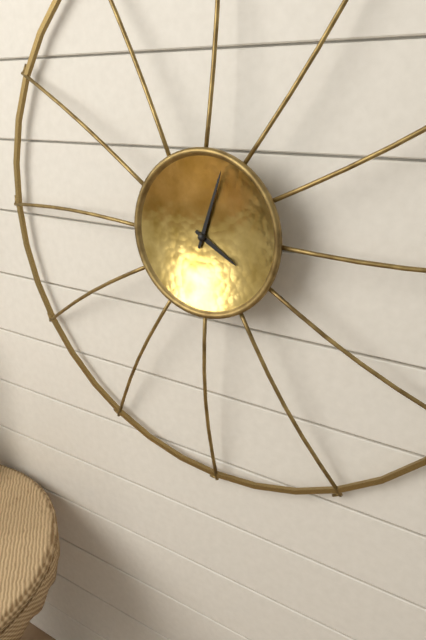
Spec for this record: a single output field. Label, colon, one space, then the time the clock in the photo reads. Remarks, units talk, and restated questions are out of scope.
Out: 4:03
